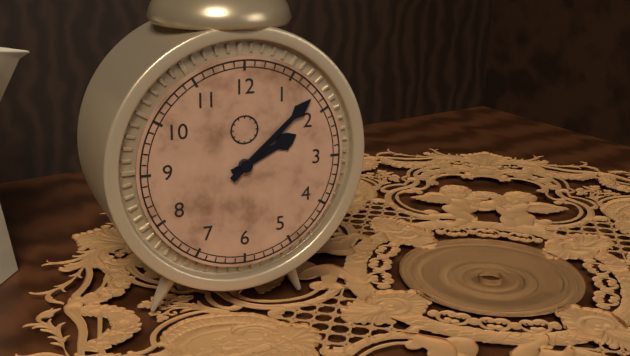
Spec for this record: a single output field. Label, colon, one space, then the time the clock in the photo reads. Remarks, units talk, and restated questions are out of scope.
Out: 2:08
